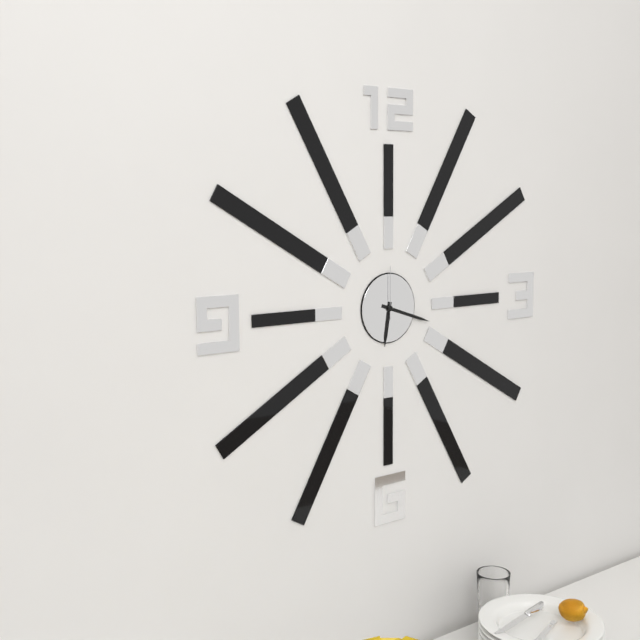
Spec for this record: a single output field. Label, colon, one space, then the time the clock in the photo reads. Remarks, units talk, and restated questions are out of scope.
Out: 6:18:00
